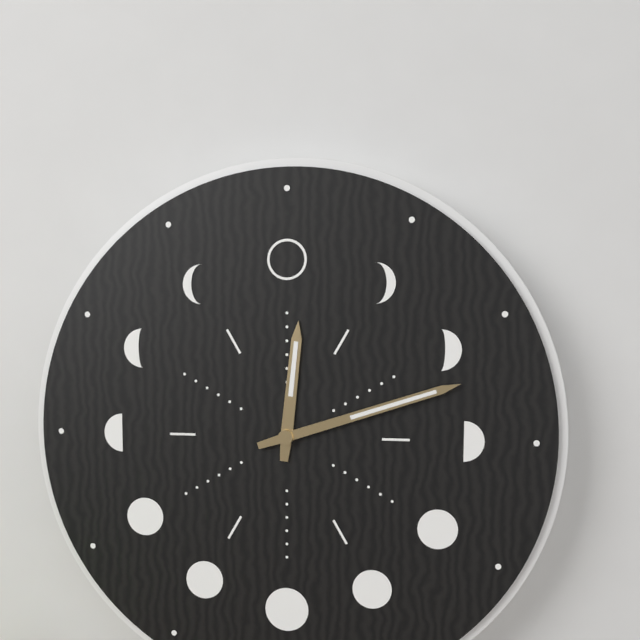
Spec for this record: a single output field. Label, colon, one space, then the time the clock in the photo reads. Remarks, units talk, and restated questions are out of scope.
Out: 12:12
